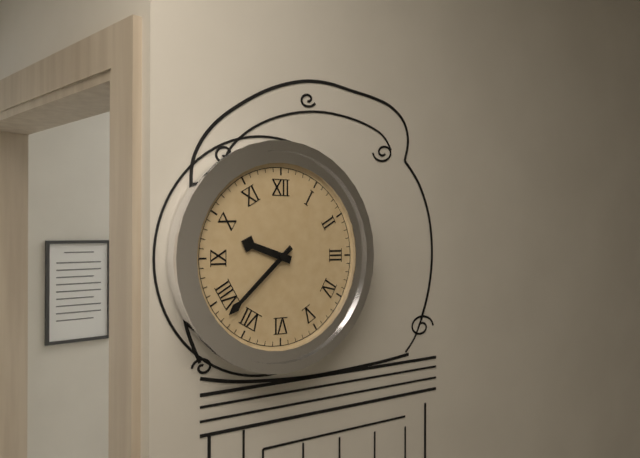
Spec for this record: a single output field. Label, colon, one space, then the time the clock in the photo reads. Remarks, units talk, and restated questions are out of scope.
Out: 9:38
